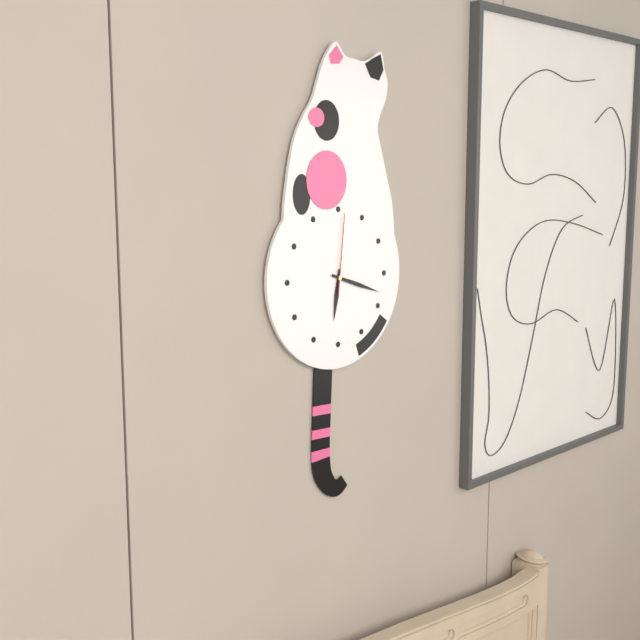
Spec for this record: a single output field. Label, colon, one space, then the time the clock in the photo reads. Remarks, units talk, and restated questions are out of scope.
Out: 6:18:01
